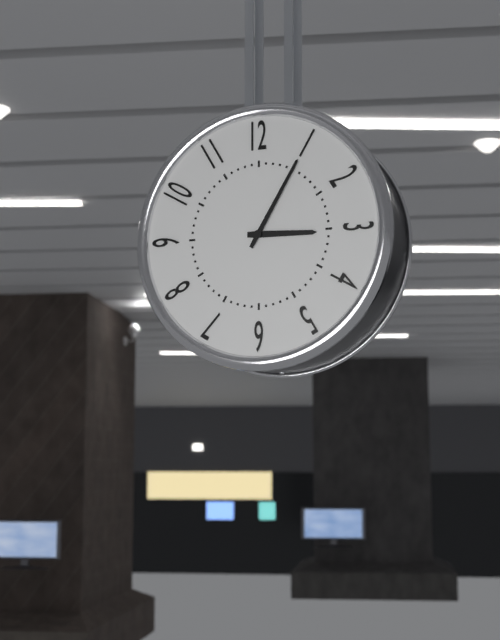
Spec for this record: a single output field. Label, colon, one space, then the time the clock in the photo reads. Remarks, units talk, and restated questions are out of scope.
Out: 3:05
